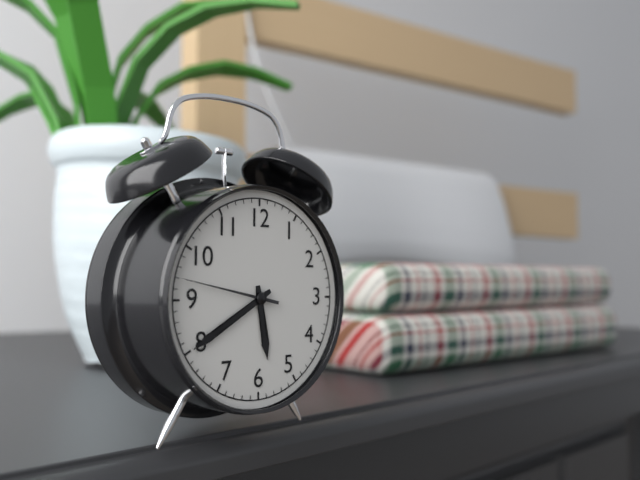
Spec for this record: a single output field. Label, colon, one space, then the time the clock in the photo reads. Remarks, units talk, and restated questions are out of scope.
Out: 5:40:47
